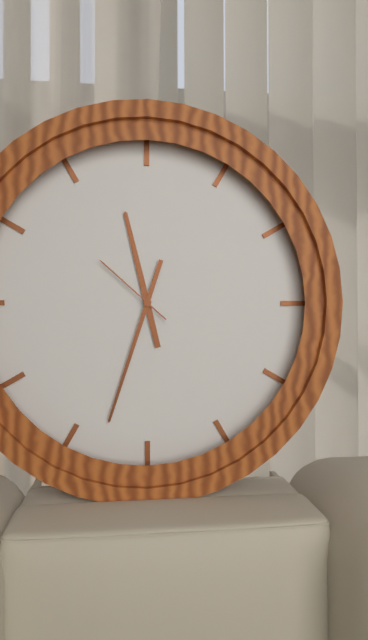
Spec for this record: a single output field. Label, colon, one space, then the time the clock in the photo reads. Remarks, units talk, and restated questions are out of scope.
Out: 11:33:52
